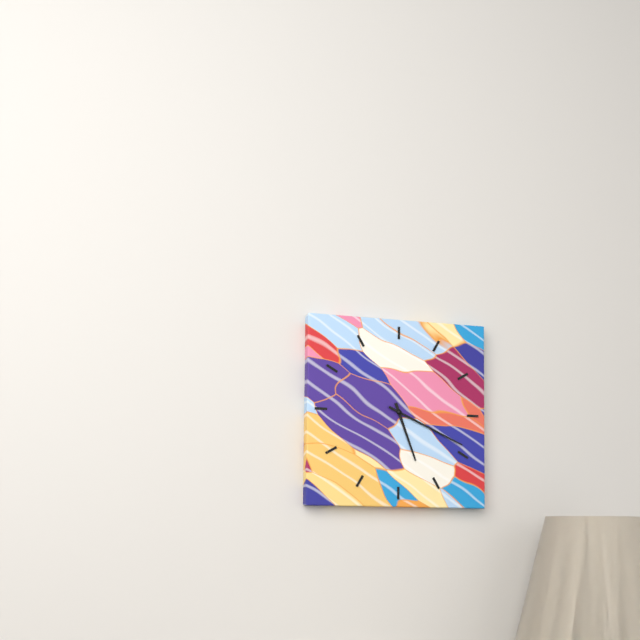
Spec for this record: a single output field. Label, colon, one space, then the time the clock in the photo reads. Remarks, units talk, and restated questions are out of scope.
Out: 5:19
